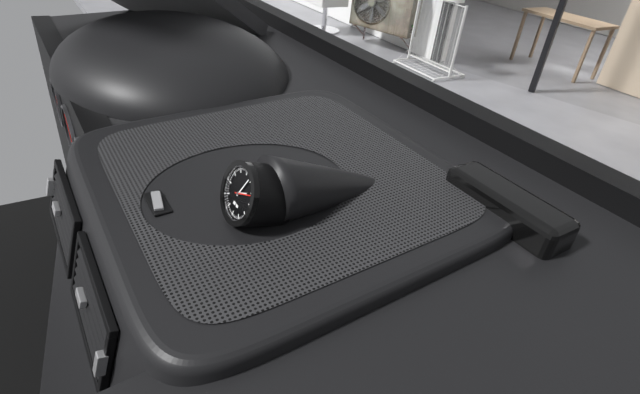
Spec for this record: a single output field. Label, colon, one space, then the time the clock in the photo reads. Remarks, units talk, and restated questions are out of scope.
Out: 2:04
